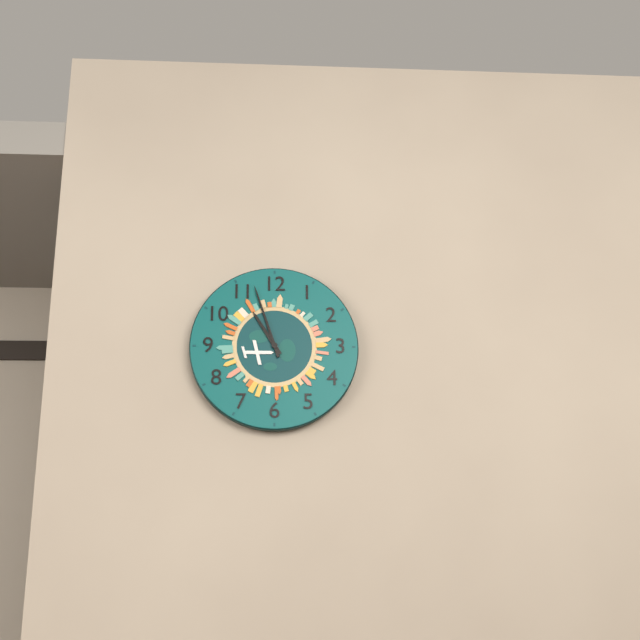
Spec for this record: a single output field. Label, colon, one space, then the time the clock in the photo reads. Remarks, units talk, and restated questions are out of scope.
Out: 10:57
